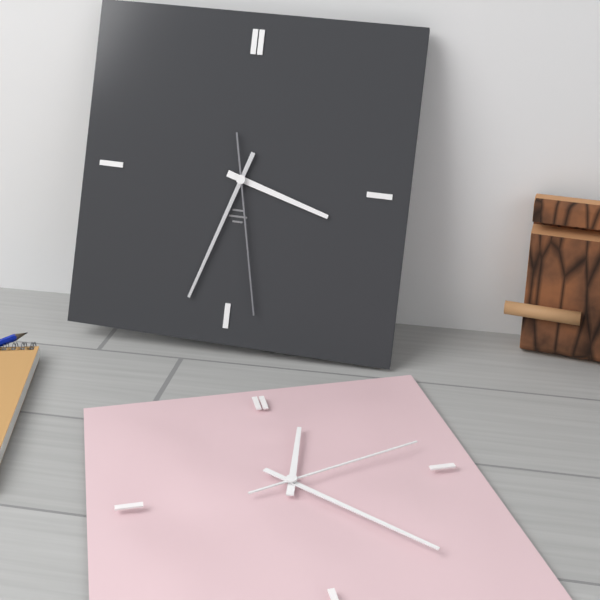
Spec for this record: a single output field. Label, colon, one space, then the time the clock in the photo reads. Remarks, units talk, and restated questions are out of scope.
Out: 3:33:28
